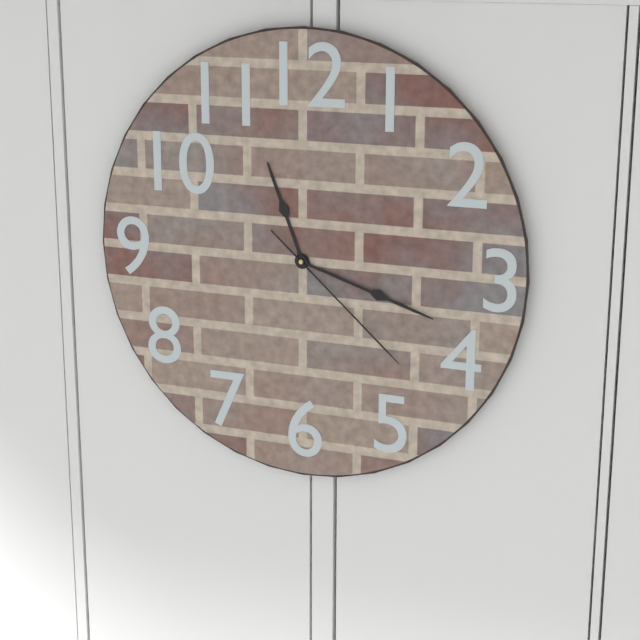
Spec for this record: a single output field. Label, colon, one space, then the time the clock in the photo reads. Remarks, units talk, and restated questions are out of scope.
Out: 11:18:22
